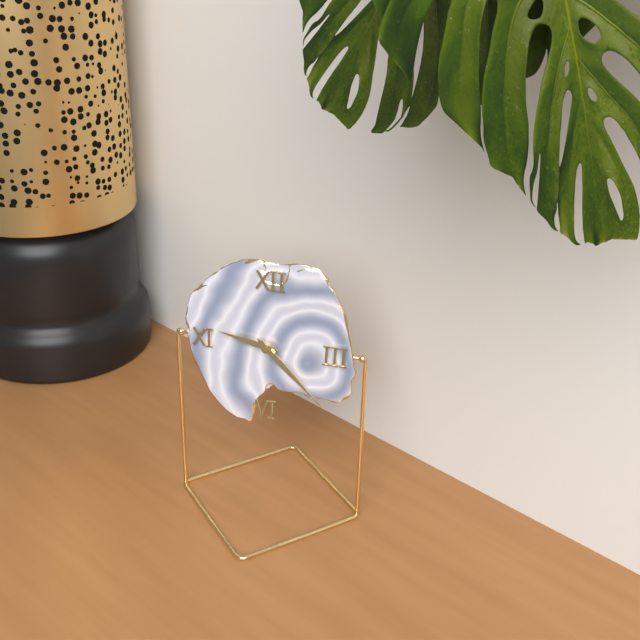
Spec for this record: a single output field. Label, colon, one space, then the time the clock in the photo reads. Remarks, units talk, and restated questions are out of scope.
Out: 9:22
